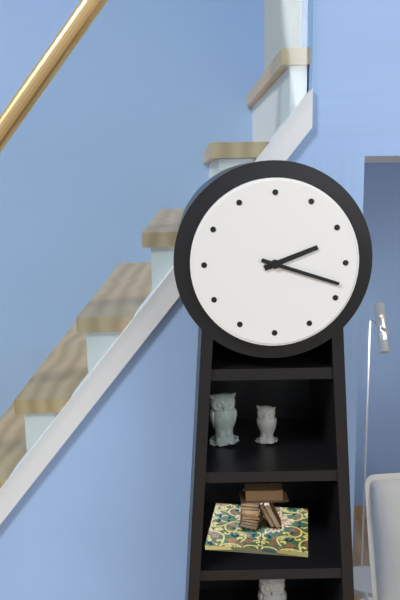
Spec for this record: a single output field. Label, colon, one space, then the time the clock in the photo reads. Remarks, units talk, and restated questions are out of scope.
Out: 2:18
